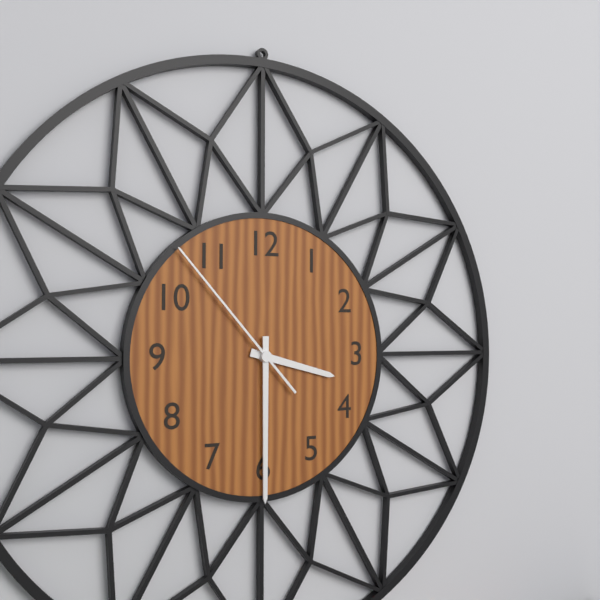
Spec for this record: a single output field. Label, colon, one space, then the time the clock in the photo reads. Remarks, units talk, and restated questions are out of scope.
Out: 3:30:53
